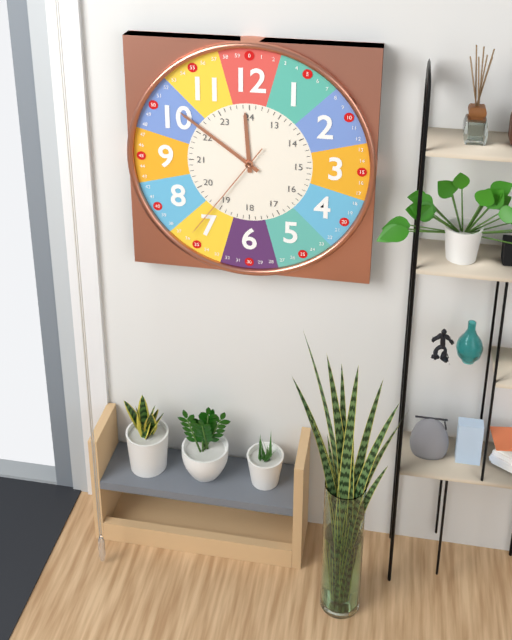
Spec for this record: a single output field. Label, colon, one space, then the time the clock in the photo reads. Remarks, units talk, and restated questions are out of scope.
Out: 11:51:36
